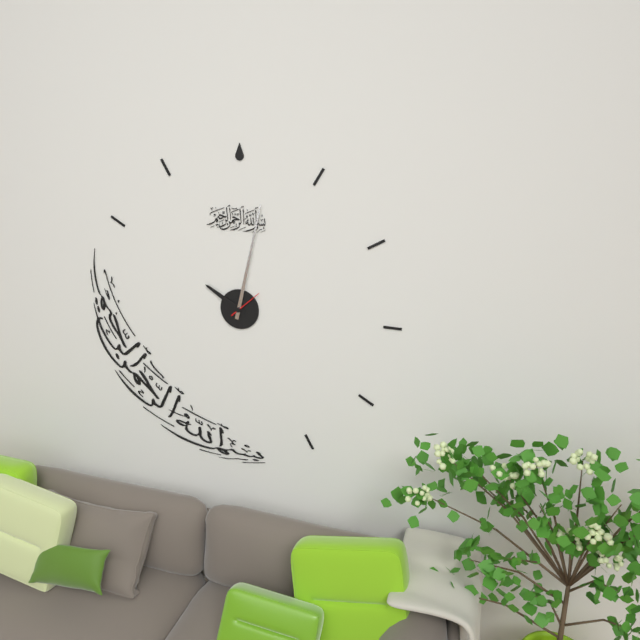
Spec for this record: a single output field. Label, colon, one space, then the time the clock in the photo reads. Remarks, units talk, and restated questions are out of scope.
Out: 10:02
